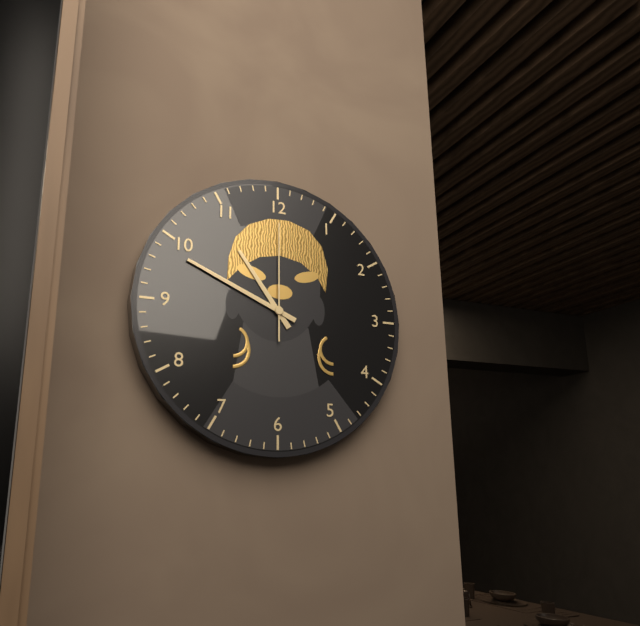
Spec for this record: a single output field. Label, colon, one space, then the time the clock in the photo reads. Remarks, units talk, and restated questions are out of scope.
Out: 10:49:00
